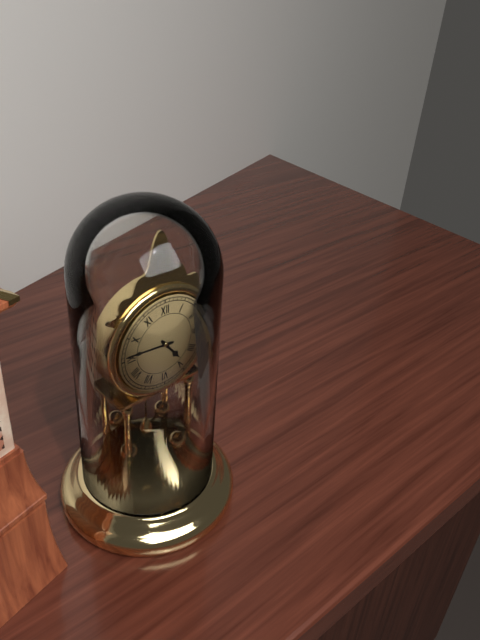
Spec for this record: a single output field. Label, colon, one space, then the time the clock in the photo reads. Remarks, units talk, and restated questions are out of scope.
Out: 4:46
